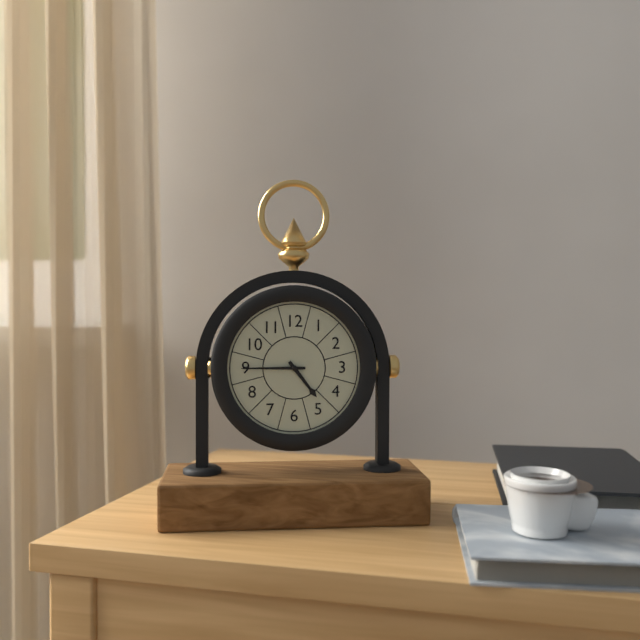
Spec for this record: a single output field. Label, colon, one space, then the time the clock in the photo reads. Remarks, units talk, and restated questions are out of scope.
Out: 4:45
